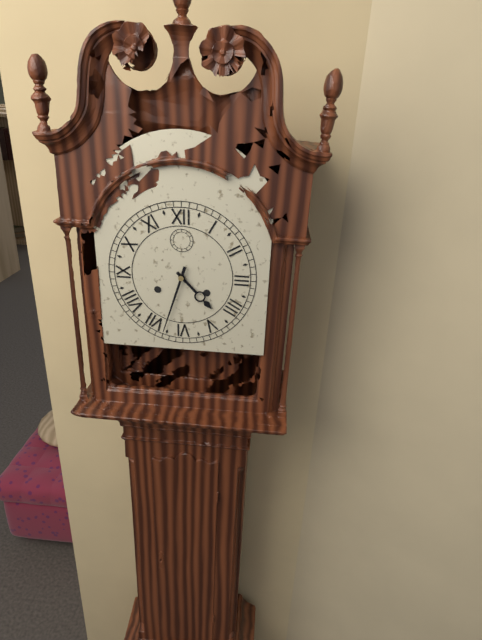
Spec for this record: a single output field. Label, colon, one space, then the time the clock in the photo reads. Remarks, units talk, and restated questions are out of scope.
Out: 4:33
